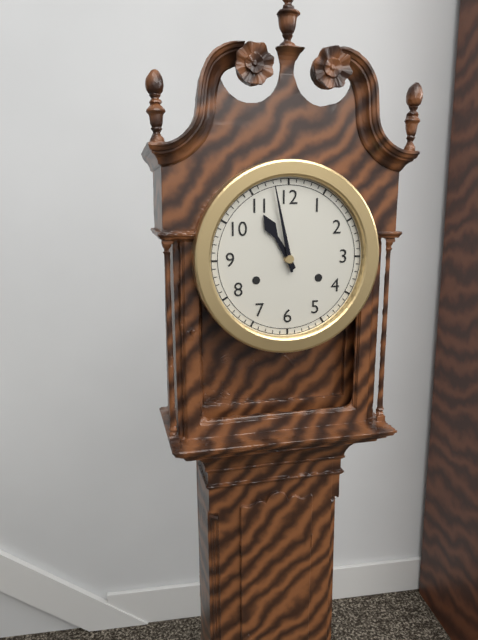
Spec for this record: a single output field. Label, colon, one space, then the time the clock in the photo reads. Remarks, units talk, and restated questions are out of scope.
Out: 10:58
